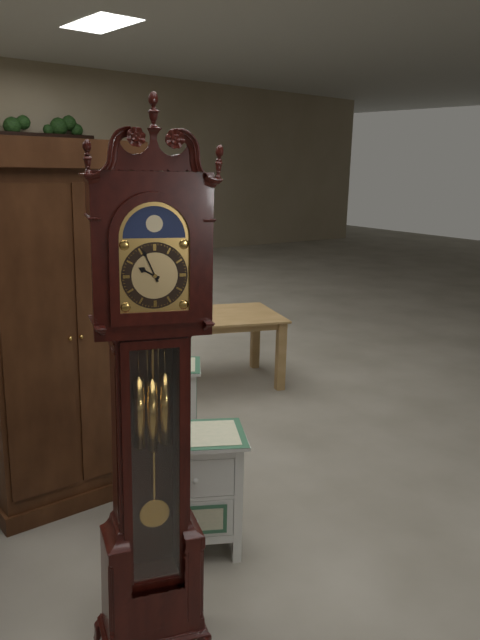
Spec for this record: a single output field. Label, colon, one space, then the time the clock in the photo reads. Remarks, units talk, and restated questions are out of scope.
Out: 9:56
